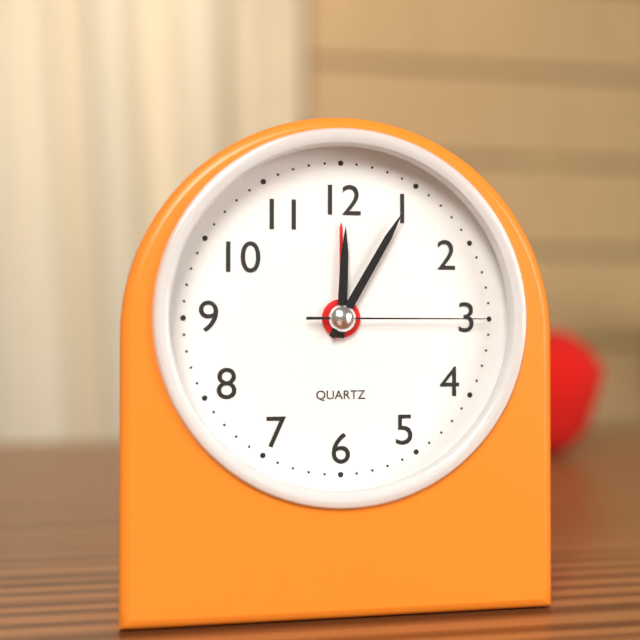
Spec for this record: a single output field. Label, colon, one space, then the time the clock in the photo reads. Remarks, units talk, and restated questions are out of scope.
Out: 12:05:15
